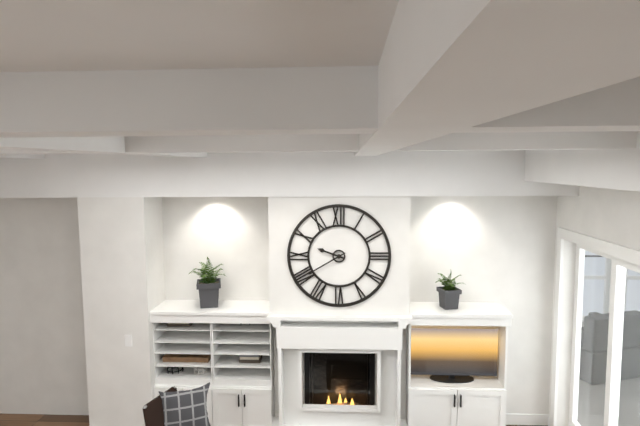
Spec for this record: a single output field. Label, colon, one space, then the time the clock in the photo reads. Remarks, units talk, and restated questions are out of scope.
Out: 9:40
